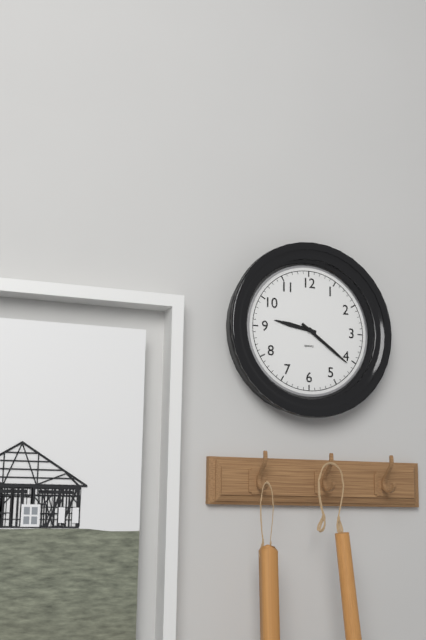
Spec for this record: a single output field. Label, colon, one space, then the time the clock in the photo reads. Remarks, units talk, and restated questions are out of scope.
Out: 9:21
